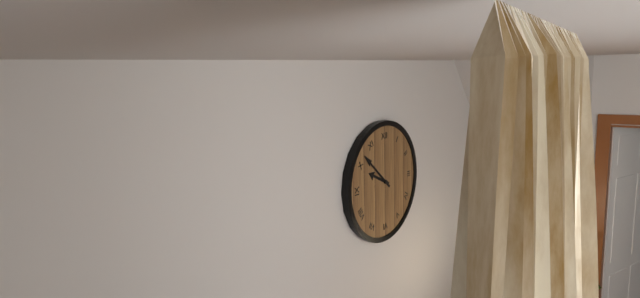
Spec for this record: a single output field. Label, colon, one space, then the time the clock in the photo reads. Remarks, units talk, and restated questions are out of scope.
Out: 9:52
